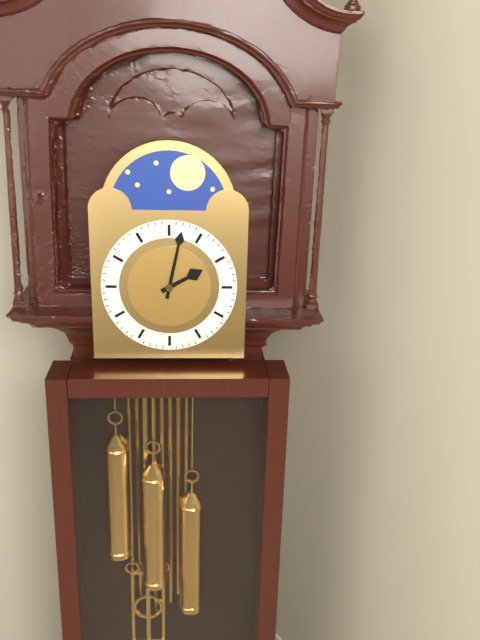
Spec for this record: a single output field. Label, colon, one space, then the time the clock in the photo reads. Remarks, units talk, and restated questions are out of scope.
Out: 2:02
